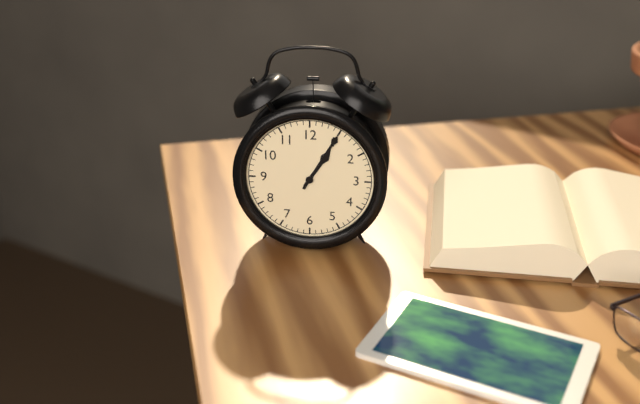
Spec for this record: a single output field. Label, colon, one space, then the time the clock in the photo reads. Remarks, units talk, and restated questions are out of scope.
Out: 1:05
